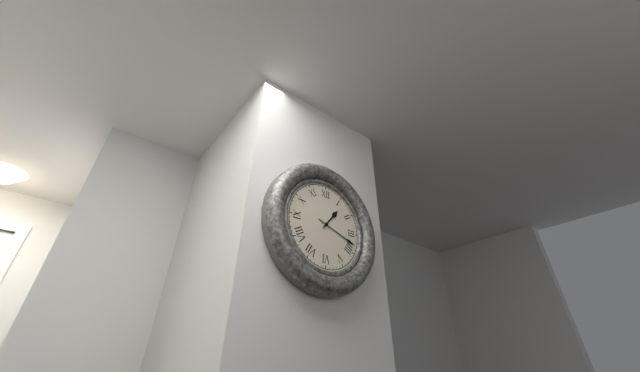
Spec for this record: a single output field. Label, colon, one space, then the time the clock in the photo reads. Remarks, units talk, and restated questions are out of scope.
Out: 1:18
